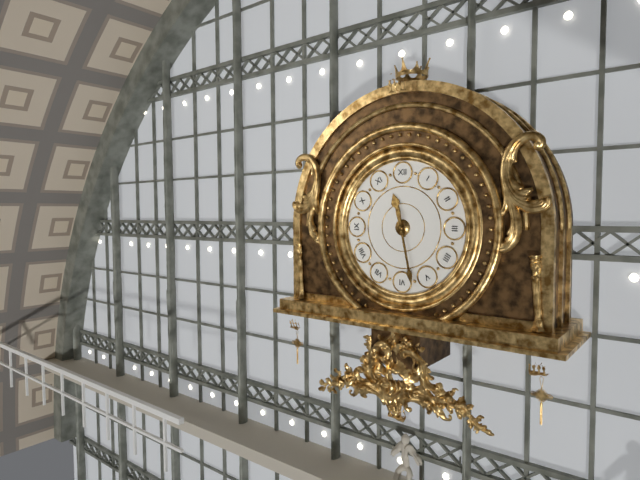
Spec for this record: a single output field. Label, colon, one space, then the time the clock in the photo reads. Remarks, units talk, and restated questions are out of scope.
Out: 11:28
